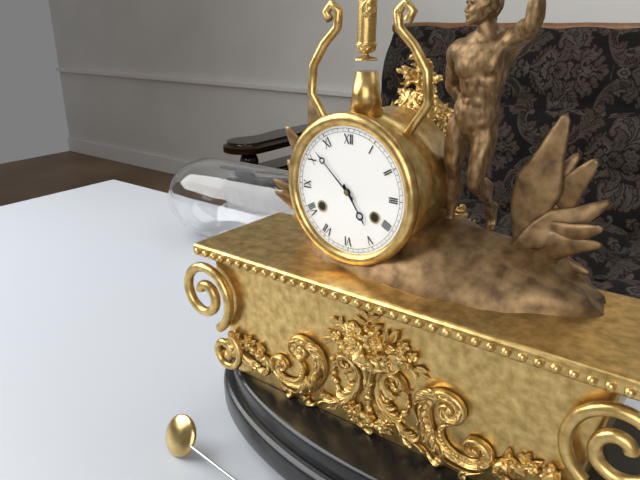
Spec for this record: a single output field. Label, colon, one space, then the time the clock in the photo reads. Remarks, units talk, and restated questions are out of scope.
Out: 4:52
